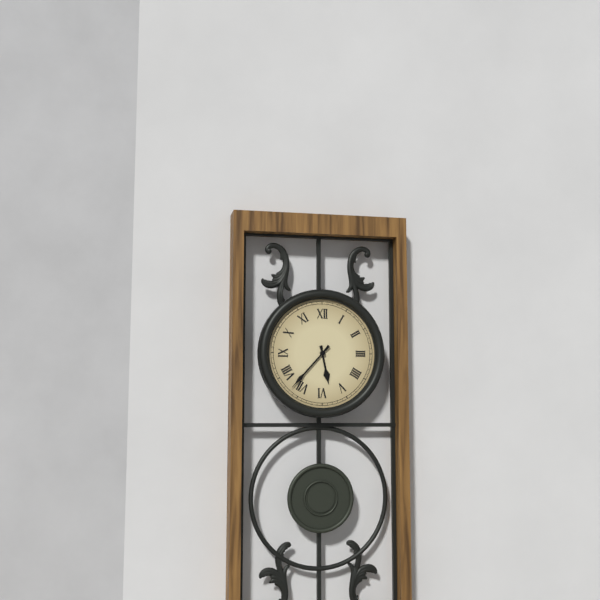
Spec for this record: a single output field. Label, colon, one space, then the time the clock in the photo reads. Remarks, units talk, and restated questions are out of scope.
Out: 5:37
